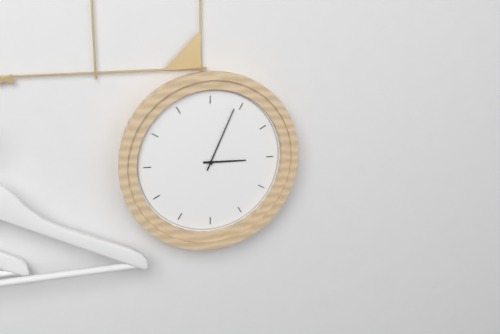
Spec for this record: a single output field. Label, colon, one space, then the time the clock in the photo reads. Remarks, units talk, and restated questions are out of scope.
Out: 3:04
